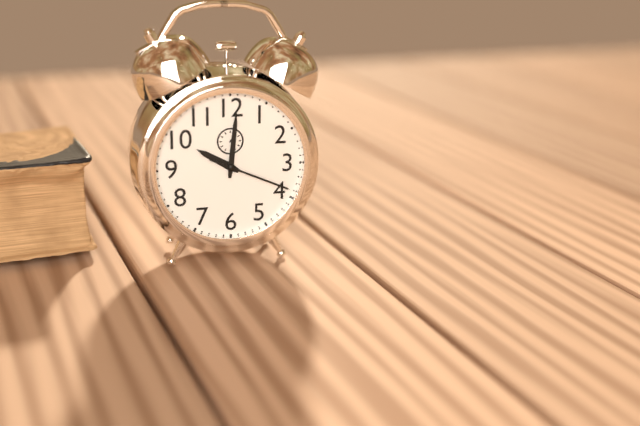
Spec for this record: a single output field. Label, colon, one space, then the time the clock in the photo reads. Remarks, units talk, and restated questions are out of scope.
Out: 10:01:19
